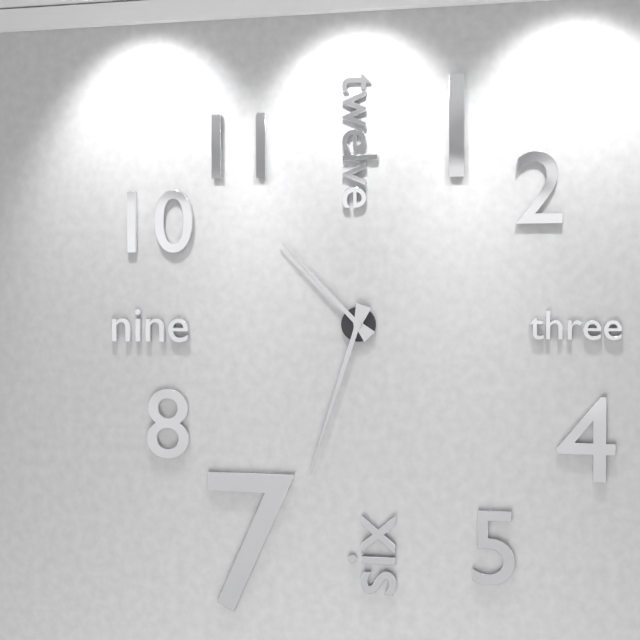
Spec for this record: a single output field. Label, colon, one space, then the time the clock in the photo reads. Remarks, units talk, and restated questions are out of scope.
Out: 10:33
